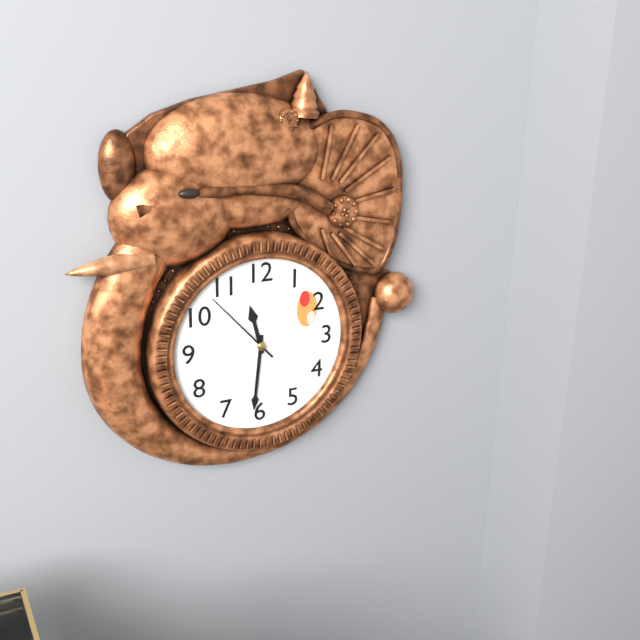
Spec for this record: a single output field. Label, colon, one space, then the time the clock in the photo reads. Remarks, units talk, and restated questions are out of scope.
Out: 11:31:53
